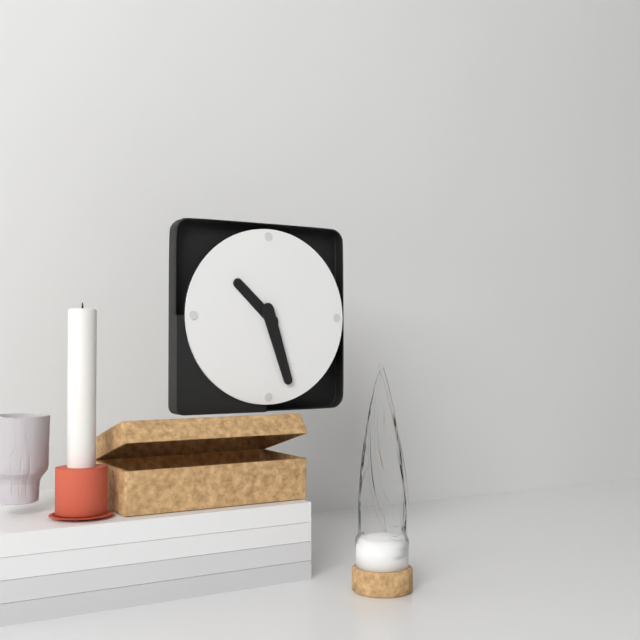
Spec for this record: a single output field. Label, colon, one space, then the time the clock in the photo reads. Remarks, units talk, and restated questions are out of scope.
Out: 10:27
